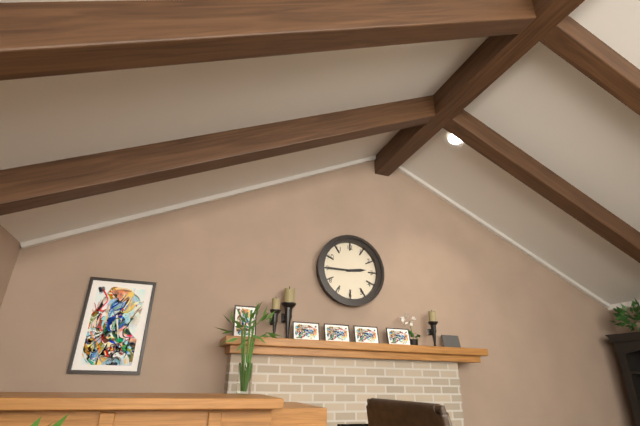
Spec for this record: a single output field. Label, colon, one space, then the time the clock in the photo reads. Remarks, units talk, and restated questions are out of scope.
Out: 2:45
